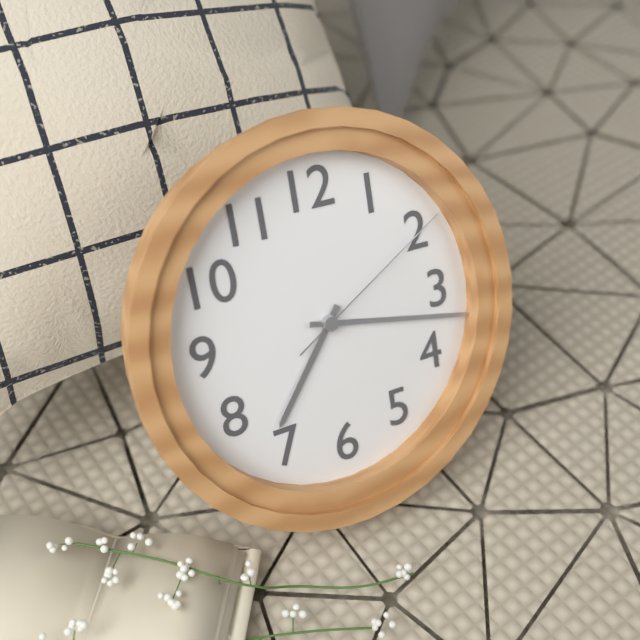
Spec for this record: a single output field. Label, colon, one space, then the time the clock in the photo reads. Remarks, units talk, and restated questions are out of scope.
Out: 7:17:10
